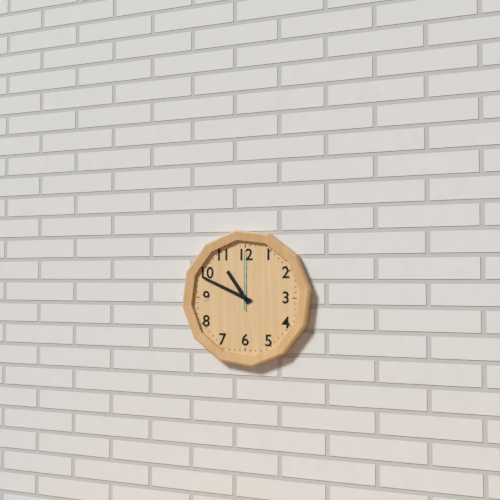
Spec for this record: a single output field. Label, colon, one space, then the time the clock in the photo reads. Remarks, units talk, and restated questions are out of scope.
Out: 10:49:00
